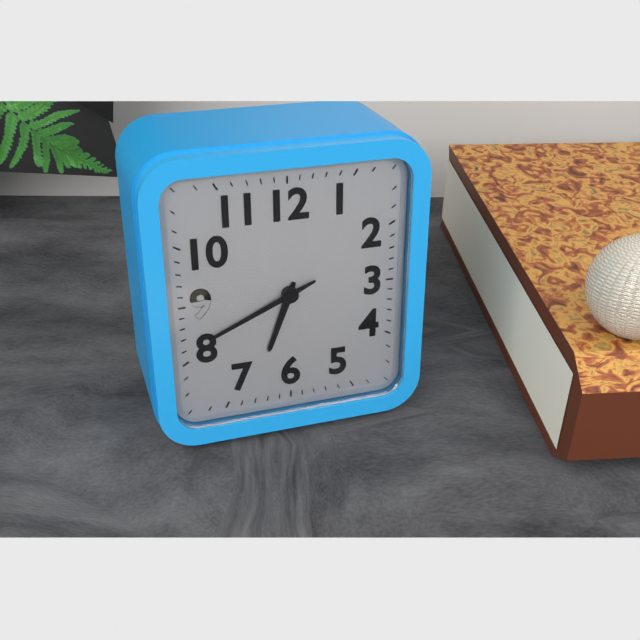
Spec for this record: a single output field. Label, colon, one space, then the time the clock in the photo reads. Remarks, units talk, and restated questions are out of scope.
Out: 6:41
